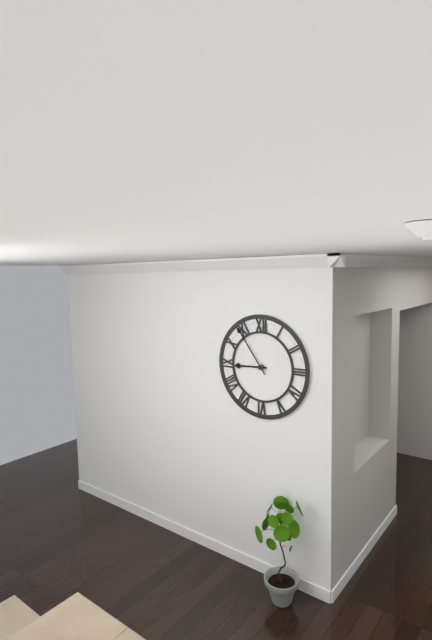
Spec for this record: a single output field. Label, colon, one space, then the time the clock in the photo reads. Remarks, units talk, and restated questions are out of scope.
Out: 8:54
